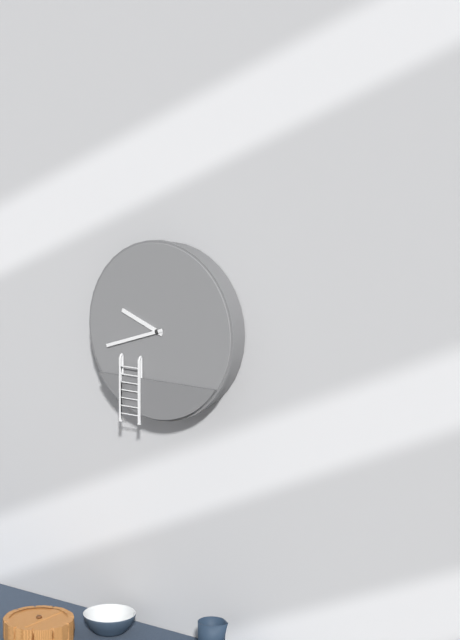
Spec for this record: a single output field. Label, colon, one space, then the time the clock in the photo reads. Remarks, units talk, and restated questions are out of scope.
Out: 9:42
